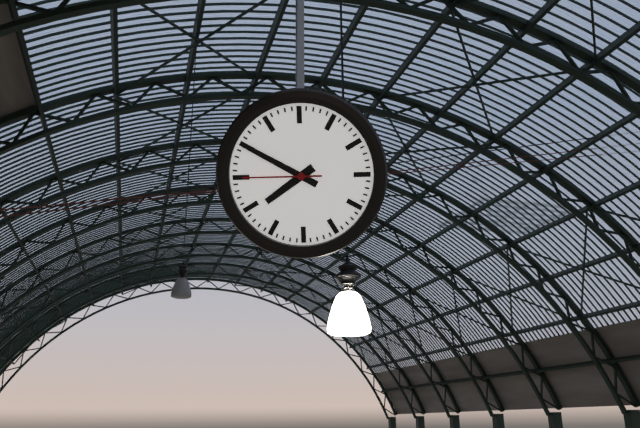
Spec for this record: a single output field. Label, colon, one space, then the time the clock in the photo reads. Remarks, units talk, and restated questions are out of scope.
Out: 7:50:45
